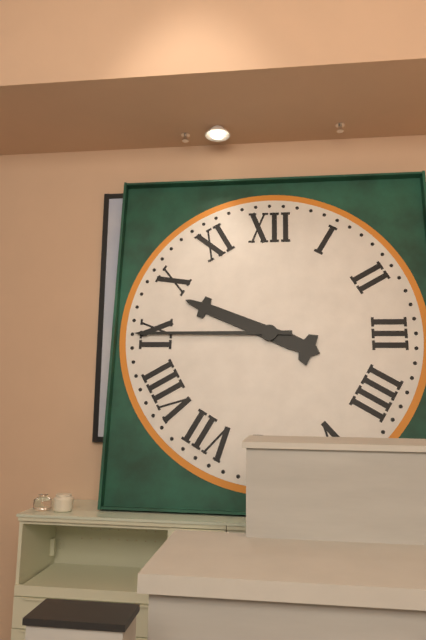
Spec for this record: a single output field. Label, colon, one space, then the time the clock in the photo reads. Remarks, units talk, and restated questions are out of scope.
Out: 9:45
